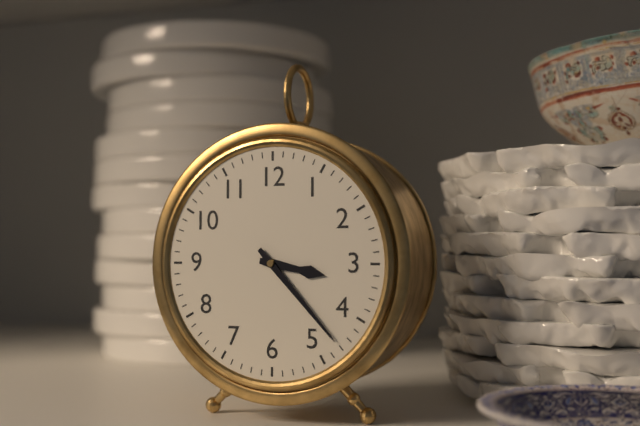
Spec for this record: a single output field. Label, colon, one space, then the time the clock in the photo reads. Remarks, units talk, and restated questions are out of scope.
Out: 3:23
